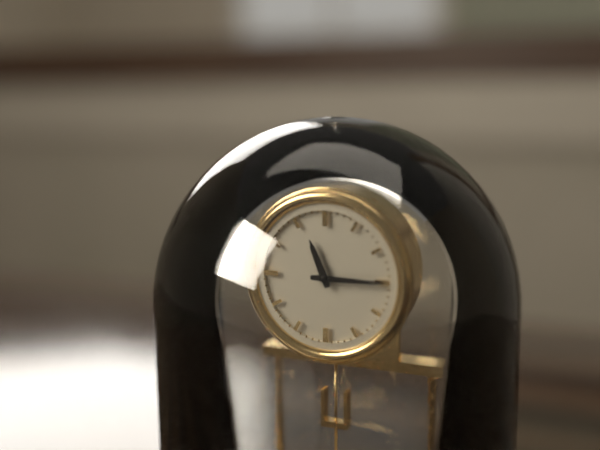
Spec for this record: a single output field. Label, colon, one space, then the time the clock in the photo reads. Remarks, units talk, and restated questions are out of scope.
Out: 11:15
